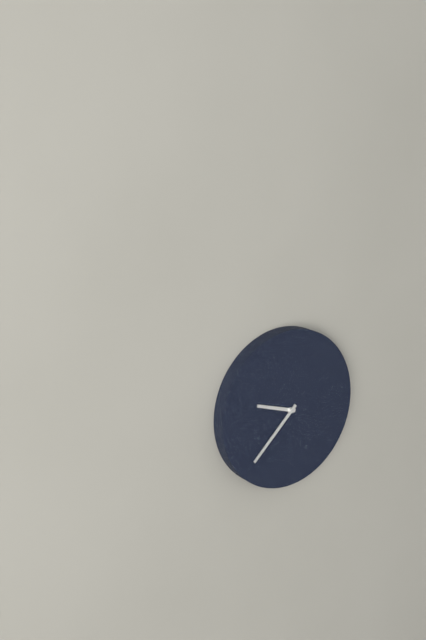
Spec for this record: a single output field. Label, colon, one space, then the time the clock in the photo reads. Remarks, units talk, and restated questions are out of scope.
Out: 9:38
